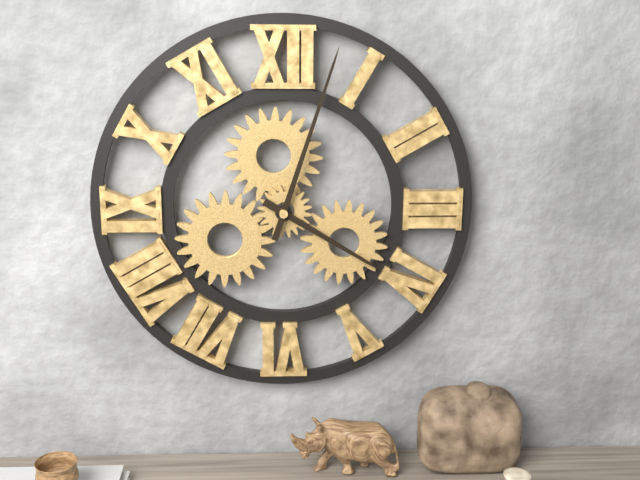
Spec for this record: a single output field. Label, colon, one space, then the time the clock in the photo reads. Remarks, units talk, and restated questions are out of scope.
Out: 4:03
